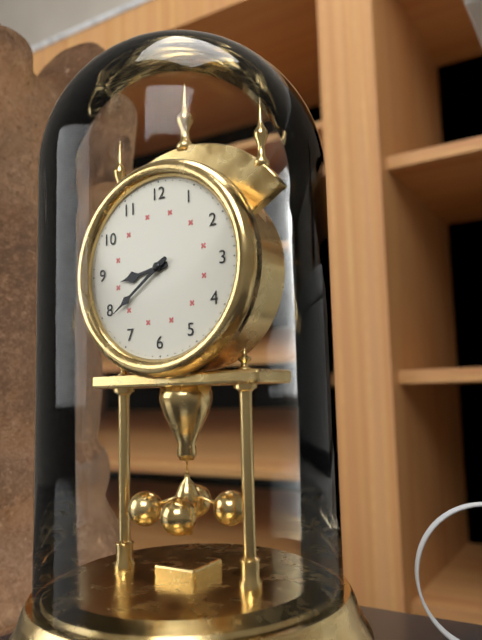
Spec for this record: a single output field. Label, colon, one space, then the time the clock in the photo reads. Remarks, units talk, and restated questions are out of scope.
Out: 8:39
